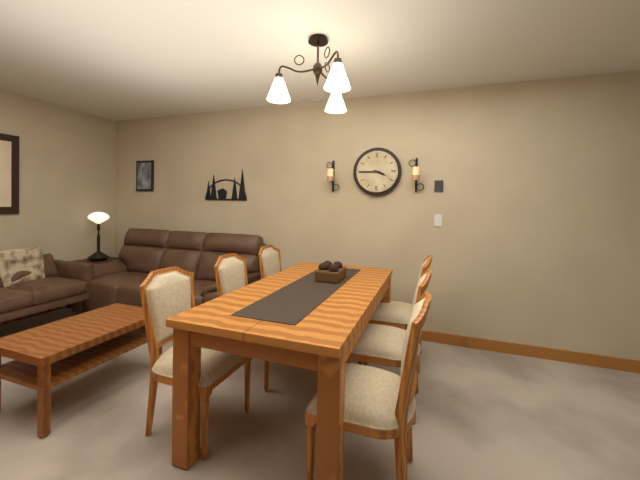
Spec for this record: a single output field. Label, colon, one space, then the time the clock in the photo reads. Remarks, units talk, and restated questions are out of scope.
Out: 3:45
